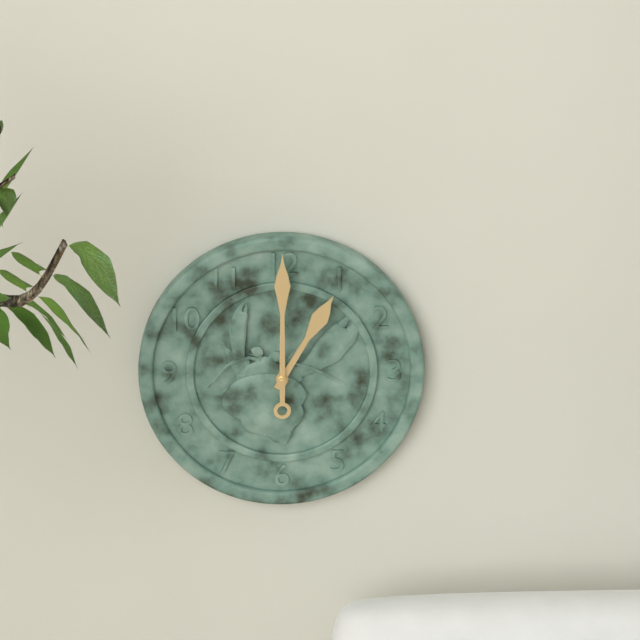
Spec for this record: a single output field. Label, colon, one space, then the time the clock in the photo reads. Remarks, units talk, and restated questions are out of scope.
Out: 1:00
